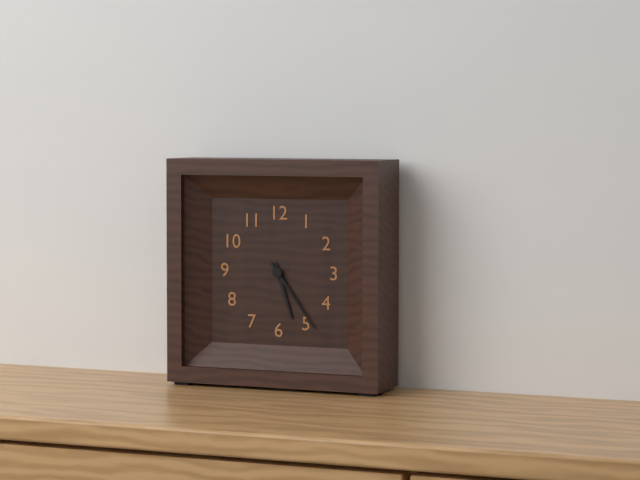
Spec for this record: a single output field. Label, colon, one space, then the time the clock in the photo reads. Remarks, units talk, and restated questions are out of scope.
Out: 5:24
